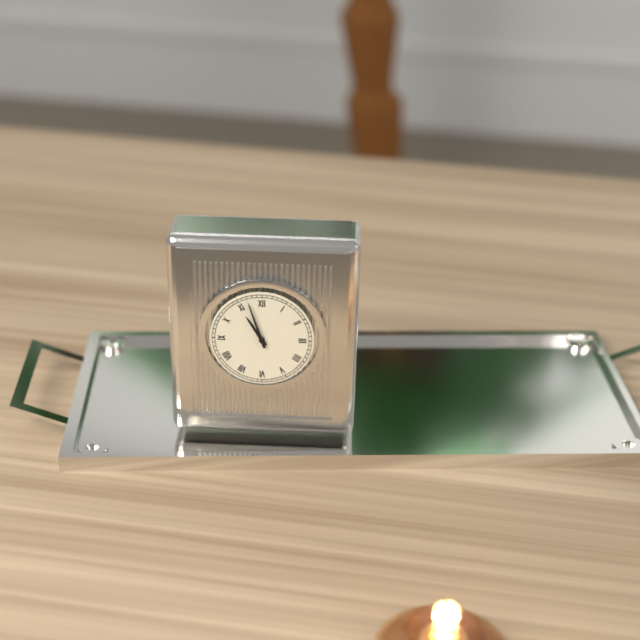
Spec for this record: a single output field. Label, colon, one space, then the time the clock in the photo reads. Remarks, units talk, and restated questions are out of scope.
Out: 10:57
